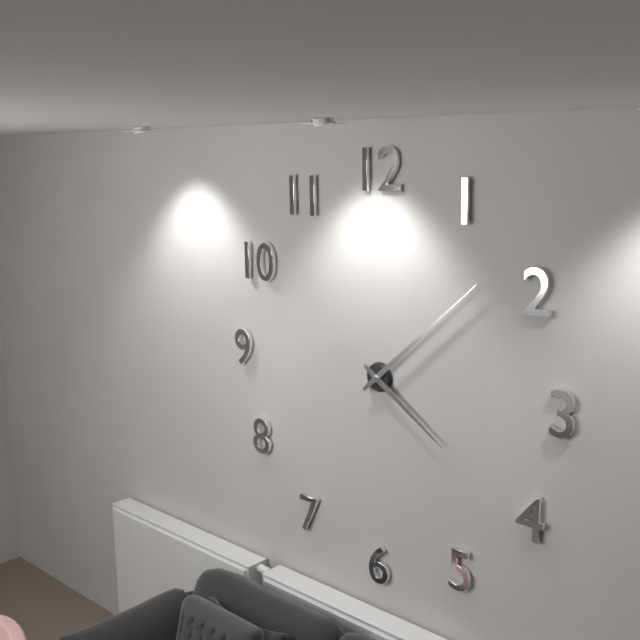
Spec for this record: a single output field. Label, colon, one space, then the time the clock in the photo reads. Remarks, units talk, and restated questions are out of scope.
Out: 4:08
